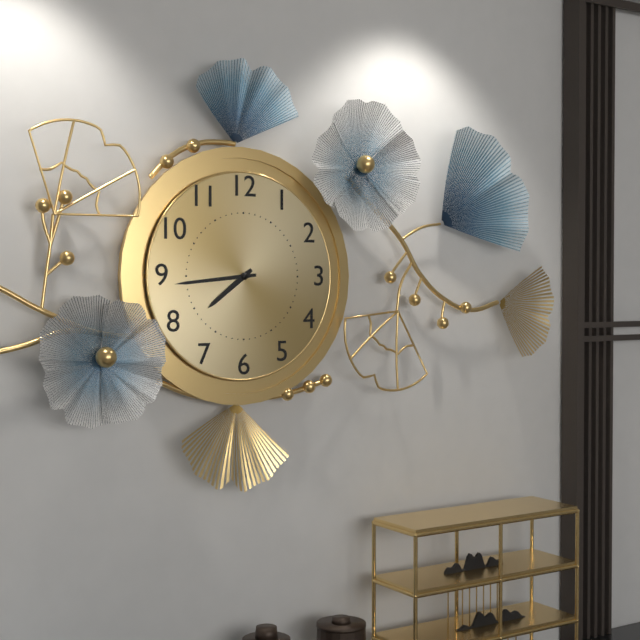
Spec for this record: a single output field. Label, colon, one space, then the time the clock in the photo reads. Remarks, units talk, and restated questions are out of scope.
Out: 7:44
